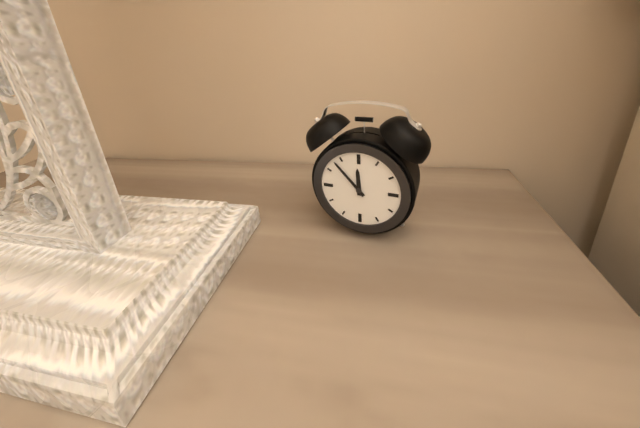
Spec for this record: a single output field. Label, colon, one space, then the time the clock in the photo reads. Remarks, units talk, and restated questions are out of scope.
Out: 11:53
